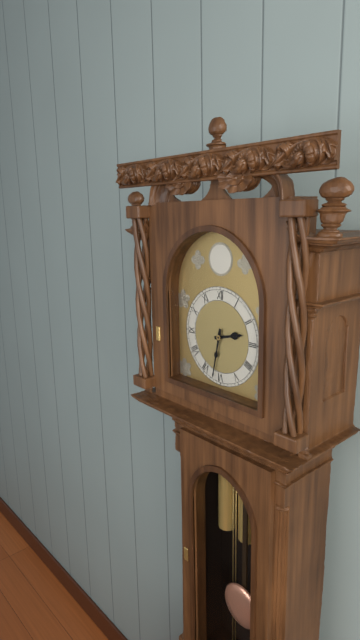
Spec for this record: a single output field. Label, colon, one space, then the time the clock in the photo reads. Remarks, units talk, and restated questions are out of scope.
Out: 2:32
